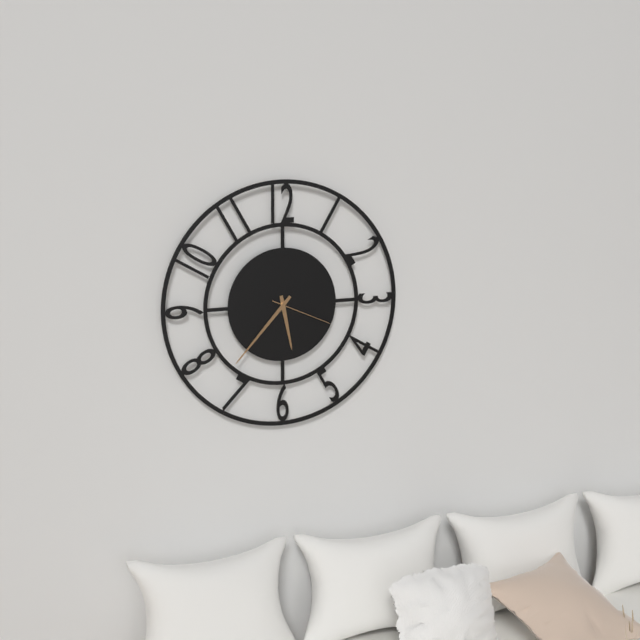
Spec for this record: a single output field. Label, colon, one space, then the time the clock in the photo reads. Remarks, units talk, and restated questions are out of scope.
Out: 5:37:19
